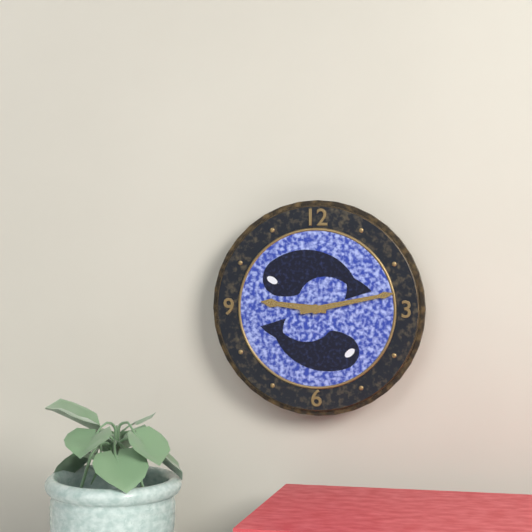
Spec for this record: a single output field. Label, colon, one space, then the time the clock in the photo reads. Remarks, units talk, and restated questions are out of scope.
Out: 9:13
